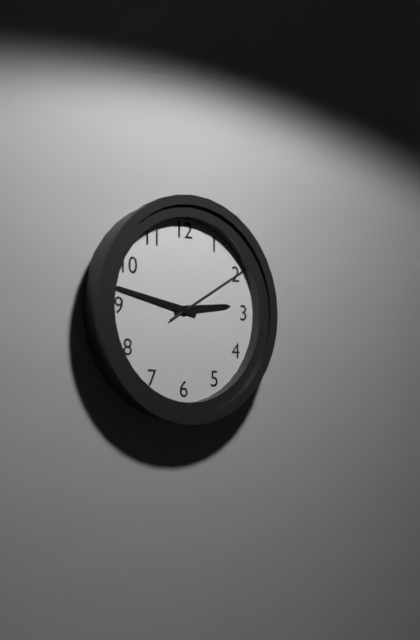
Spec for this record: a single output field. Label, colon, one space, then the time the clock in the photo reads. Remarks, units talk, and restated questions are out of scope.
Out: 2:47:10
